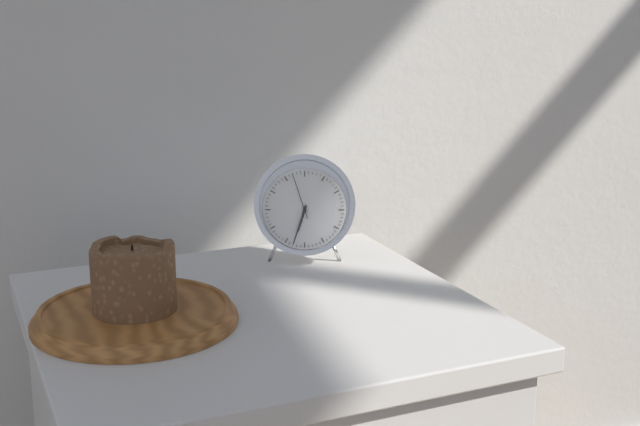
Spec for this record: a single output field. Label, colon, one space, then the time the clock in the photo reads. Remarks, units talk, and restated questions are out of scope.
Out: 6:33
